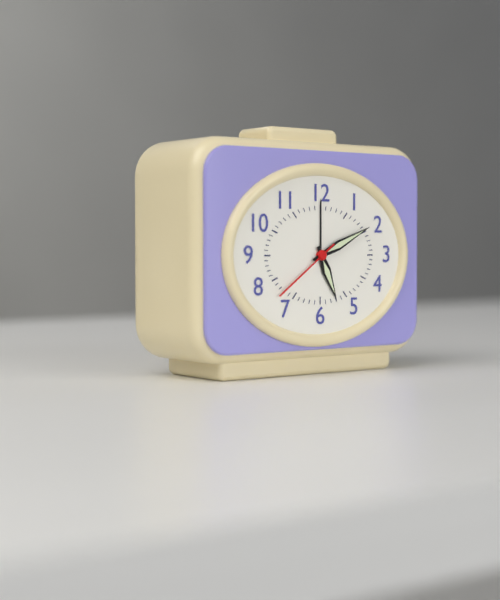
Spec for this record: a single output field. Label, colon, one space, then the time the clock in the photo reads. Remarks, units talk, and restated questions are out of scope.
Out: 5:11:39
